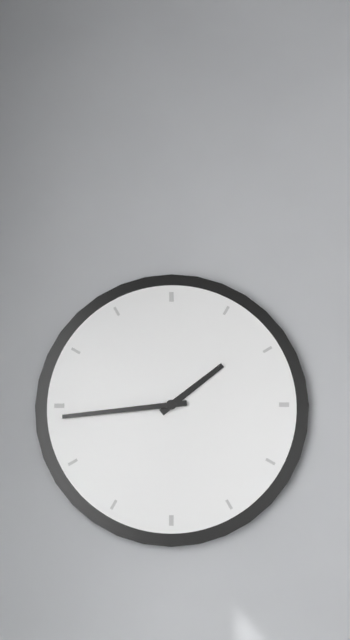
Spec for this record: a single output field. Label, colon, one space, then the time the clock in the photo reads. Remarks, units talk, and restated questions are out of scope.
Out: 1:44
